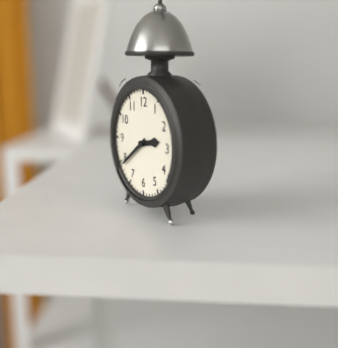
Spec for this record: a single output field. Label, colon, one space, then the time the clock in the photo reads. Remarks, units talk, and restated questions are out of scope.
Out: 2:39
